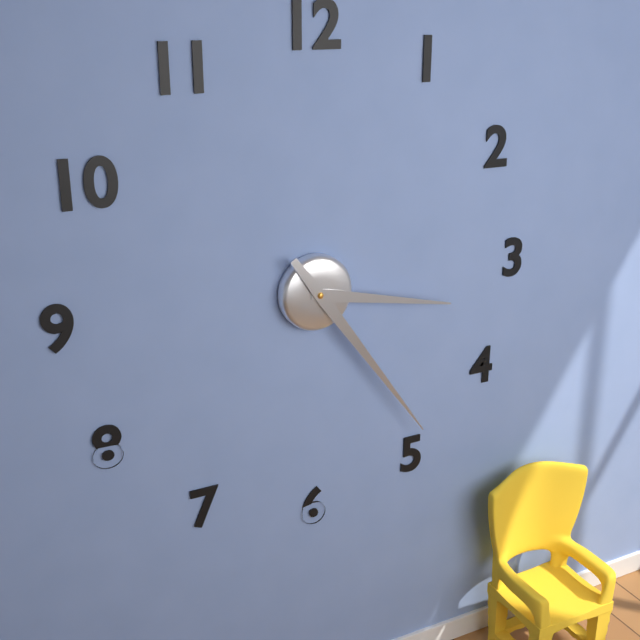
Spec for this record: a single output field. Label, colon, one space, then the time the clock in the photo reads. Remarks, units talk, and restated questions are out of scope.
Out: 3:24
